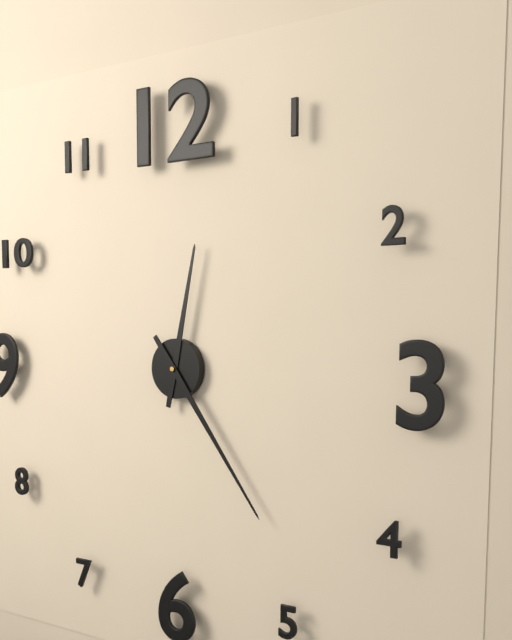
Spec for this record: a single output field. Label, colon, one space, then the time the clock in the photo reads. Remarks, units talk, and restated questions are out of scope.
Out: 12:24
